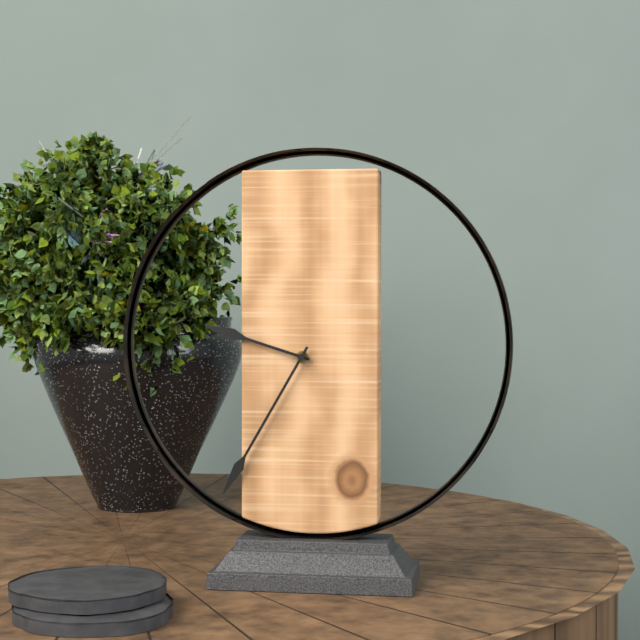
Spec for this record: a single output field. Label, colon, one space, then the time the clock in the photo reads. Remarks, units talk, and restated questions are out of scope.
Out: 9:35
